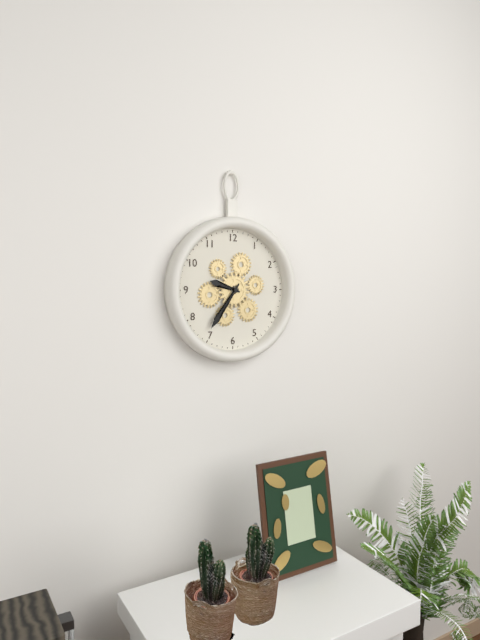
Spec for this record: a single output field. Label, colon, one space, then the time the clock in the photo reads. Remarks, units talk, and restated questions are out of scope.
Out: 9:36
